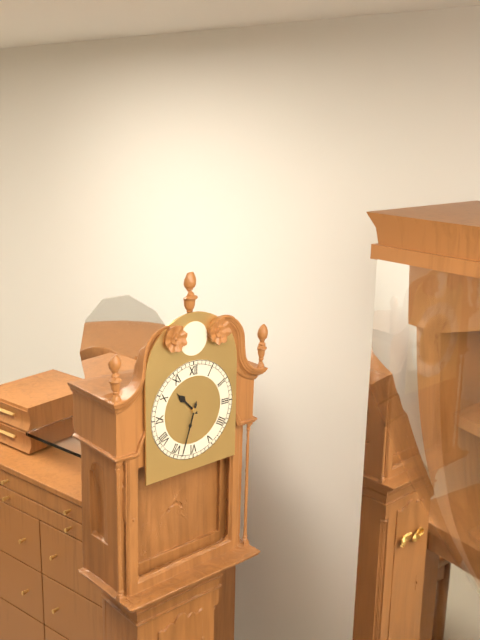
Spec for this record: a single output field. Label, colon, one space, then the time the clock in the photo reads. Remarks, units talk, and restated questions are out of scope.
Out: 10:33
